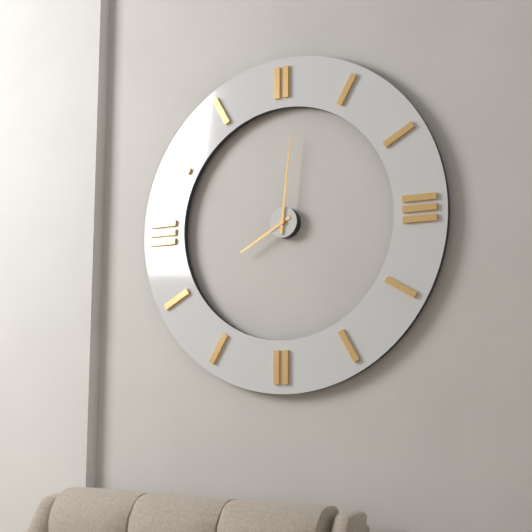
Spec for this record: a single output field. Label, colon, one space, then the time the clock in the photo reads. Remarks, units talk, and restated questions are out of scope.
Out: 8:01
